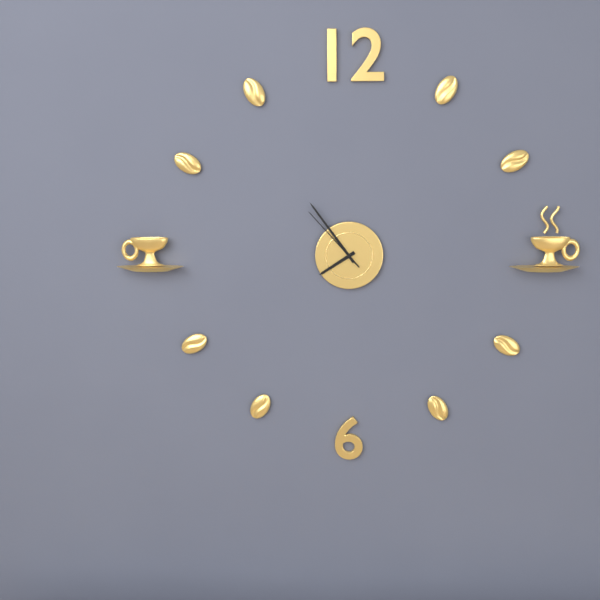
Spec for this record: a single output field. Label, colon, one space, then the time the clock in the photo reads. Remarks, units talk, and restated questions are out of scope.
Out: 7:54:53
